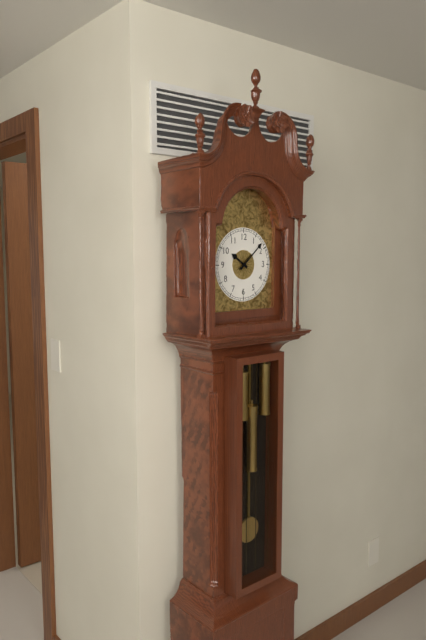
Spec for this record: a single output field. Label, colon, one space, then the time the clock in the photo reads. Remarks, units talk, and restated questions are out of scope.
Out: 10:08
